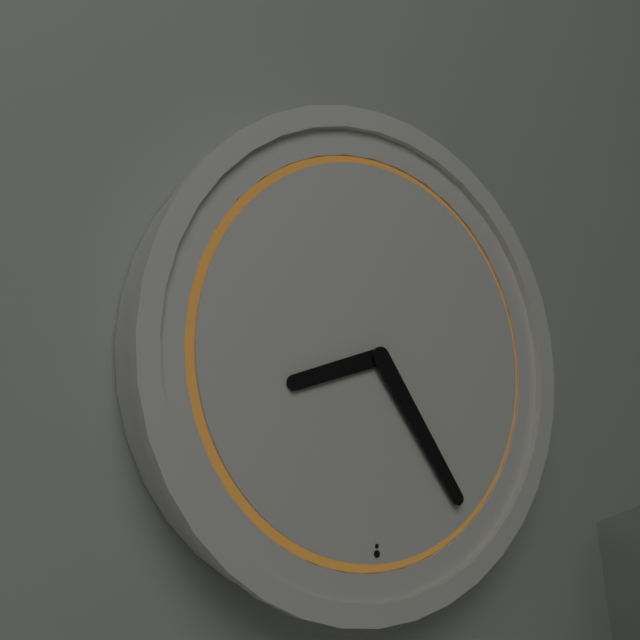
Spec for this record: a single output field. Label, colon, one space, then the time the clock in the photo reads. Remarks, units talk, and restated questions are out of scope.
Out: 8:24
